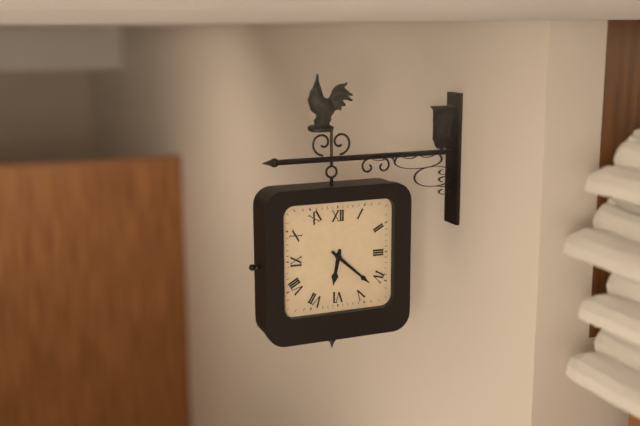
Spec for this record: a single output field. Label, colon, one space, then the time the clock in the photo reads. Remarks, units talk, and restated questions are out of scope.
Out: 6:22
